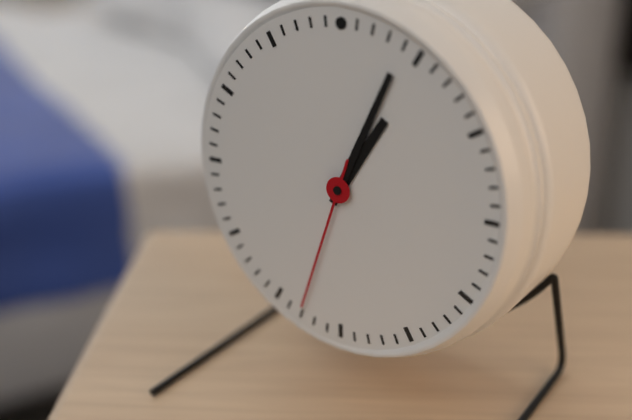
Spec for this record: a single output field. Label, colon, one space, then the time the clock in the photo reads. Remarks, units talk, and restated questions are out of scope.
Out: 1:04:33
